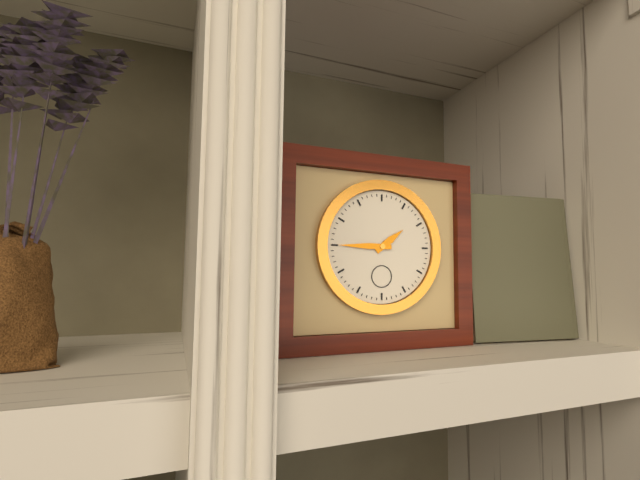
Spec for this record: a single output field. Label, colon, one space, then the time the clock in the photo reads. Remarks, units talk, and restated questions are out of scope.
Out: 1:45
